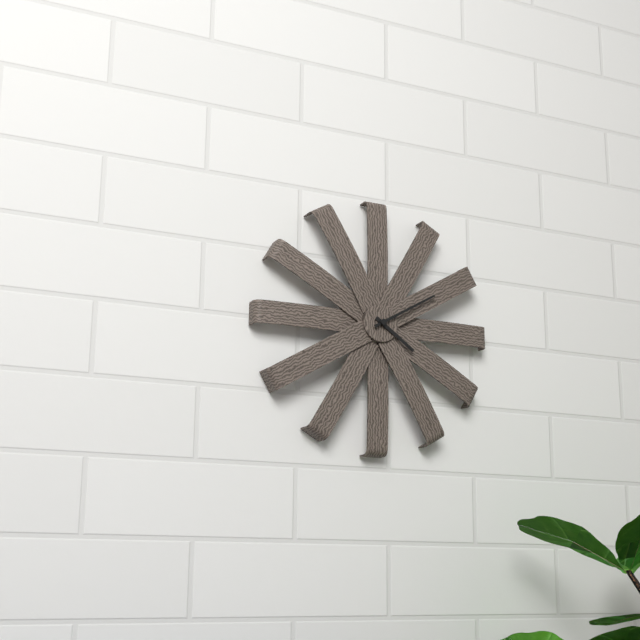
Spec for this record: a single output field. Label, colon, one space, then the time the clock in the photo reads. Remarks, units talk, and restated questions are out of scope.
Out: 4:10
